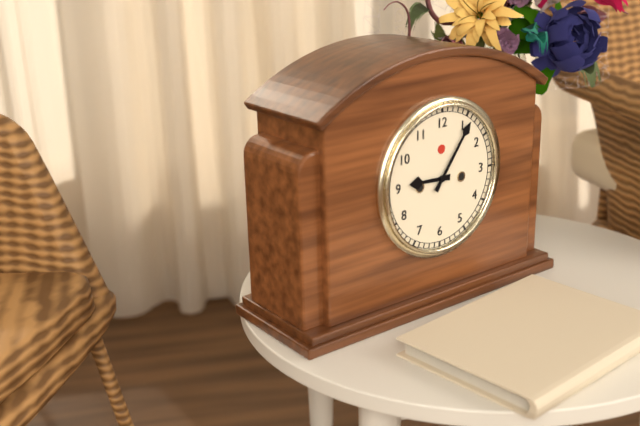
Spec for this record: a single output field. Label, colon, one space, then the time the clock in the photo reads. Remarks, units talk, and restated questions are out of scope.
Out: 9:06
